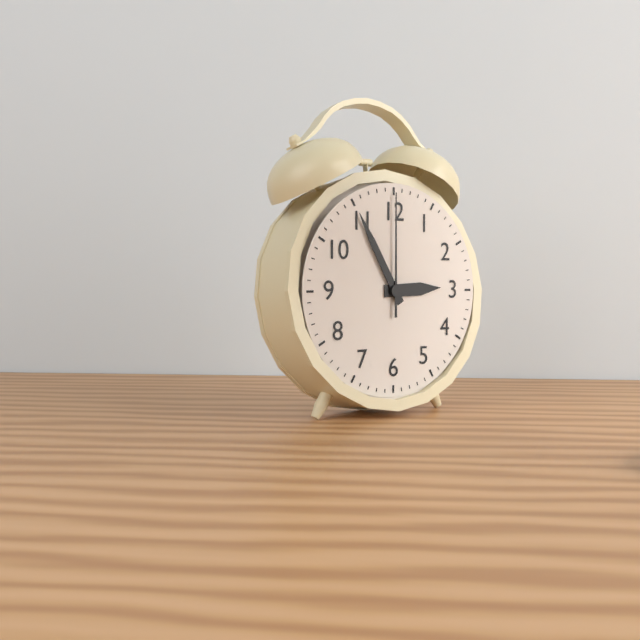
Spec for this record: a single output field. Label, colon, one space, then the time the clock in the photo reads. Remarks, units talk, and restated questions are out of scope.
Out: 2:55:00
